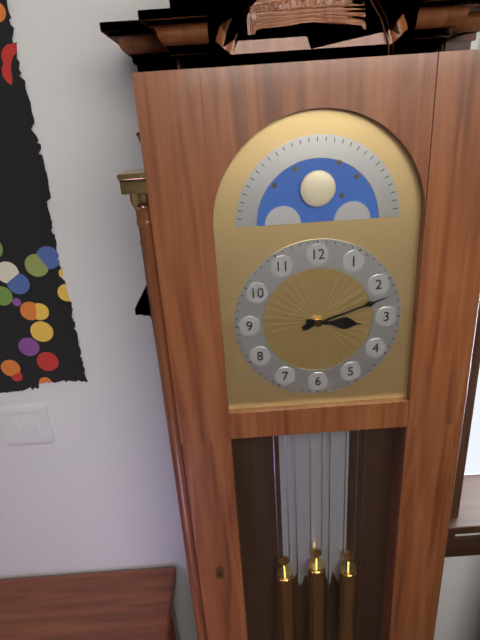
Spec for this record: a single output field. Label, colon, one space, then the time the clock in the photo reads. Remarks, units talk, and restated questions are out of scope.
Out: 3:12
